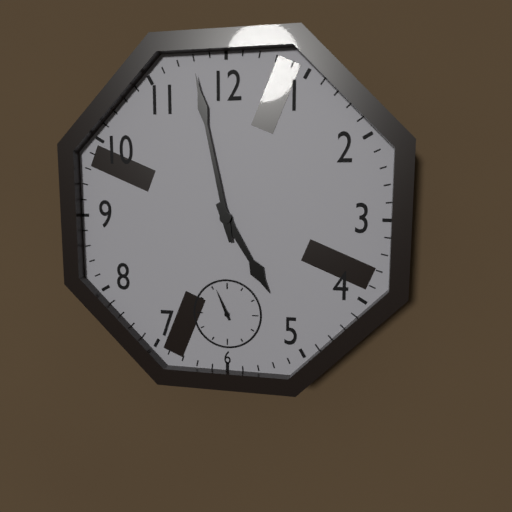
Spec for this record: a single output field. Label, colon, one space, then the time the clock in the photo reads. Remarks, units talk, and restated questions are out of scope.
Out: 4:58
